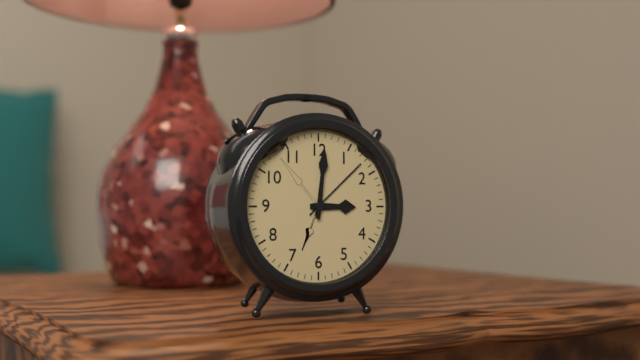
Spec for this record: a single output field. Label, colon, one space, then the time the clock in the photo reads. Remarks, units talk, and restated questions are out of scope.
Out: 3:01
